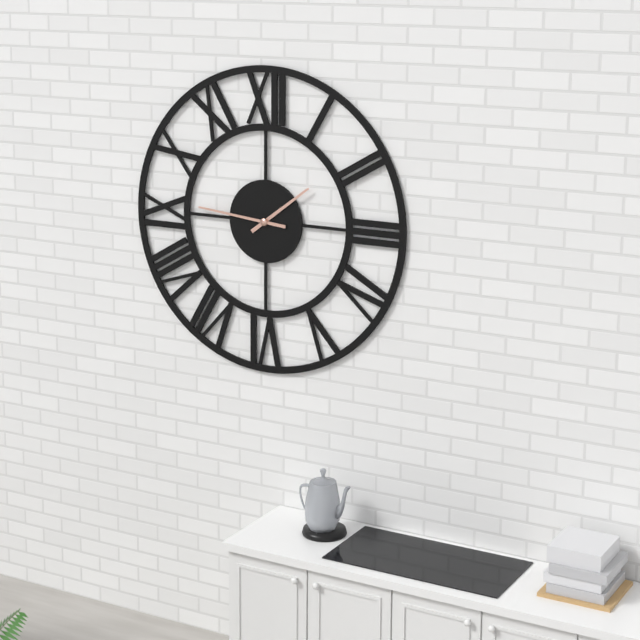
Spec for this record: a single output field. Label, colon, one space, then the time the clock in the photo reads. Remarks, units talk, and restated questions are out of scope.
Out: 1:46
